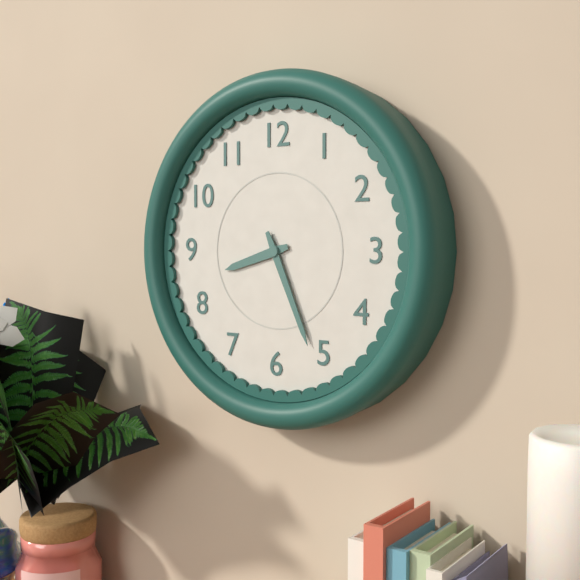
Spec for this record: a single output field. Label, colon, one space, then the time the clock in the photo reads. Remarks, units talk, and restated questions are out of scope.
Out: 8:26
